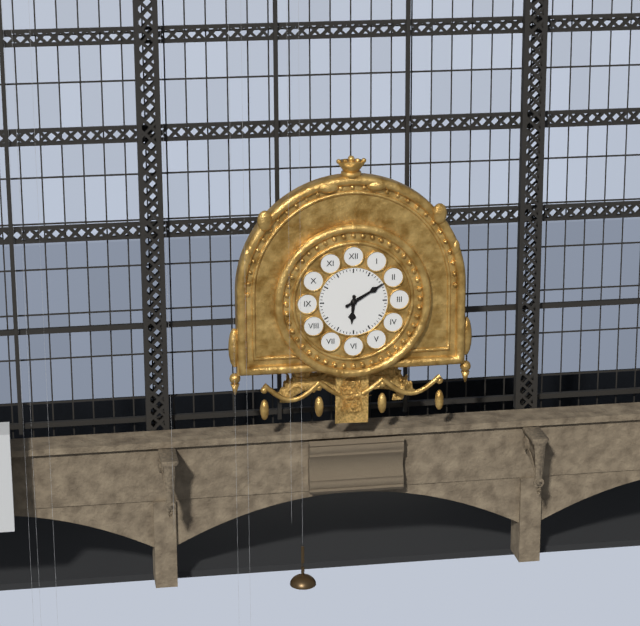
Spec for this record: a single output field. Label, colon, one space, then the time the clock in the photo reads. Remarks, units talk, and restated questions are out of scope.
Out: 6:10
